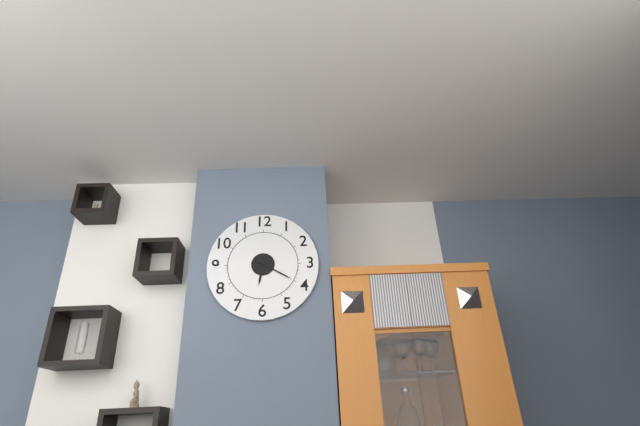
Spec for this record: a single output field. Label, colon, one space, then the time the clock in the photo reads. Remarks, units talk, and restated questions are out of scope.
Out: 6:20
